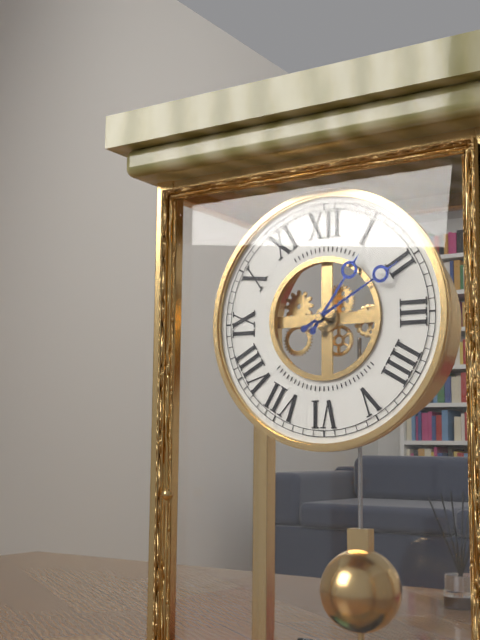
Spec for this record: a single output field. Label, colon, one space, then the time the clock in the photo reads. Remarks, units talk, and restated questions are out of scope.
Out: 1:10
